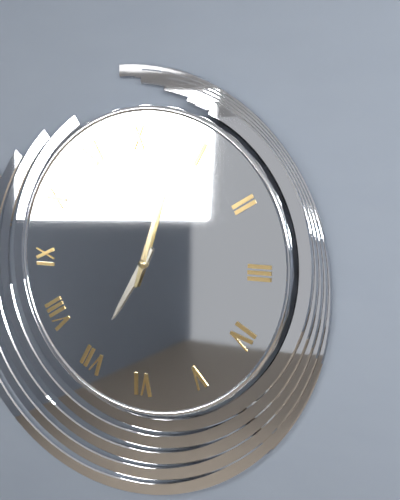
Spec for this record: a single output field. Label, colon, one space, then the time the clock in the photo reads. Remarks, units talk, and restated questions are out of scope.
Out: 7:03
